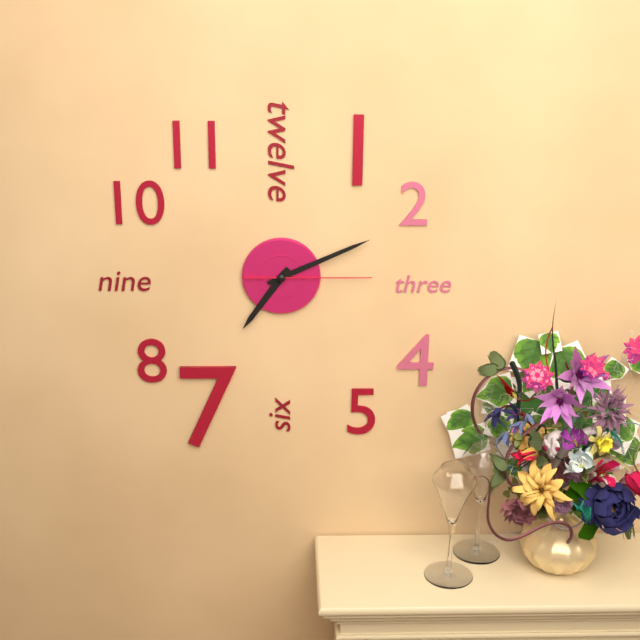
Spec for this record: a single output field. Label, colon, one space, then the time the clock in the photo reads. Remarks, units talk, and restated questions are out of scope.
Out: 7:11:15
